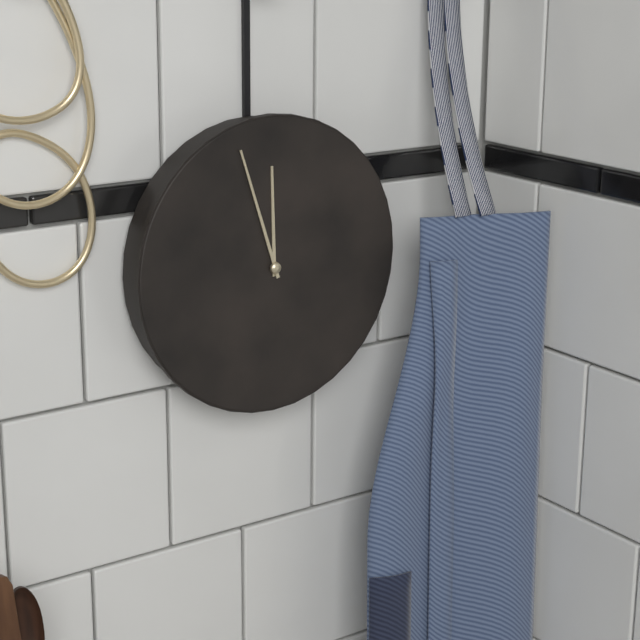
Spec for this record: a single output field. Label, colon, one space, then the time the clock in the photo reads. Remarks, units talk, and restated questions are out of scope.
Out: 11:57
